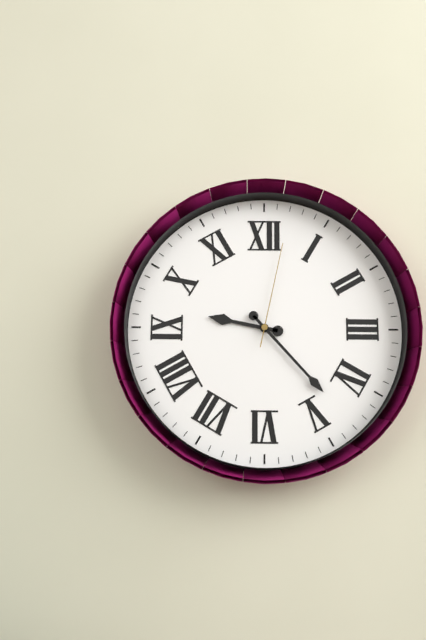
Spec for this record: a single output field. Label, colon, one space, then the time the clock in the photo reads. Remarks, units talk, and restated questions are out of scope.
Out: 9:23:02
